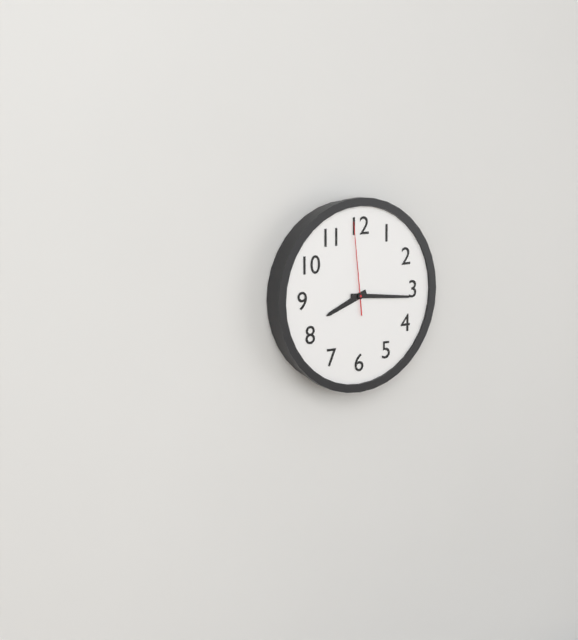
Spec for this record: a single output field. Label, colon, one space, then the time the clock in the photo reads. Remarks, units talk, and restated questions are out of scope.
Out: 8:16:59
